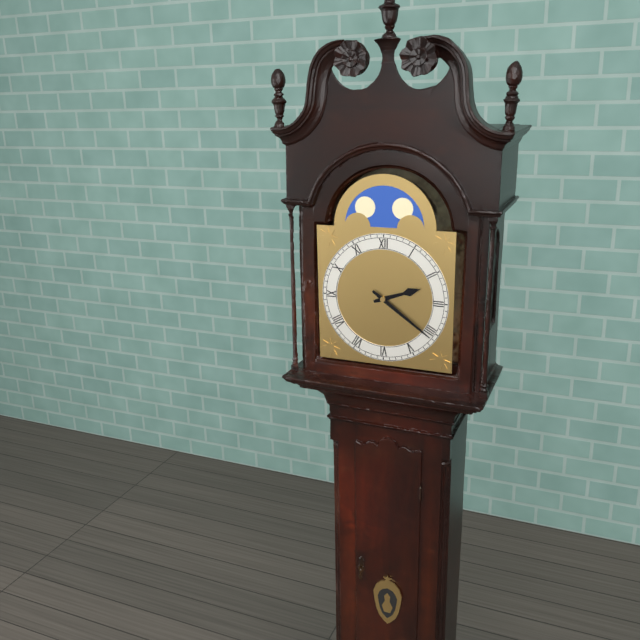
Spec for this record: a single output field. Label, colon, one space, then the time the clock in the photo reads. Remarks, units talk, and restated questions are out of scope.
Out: 2:21
